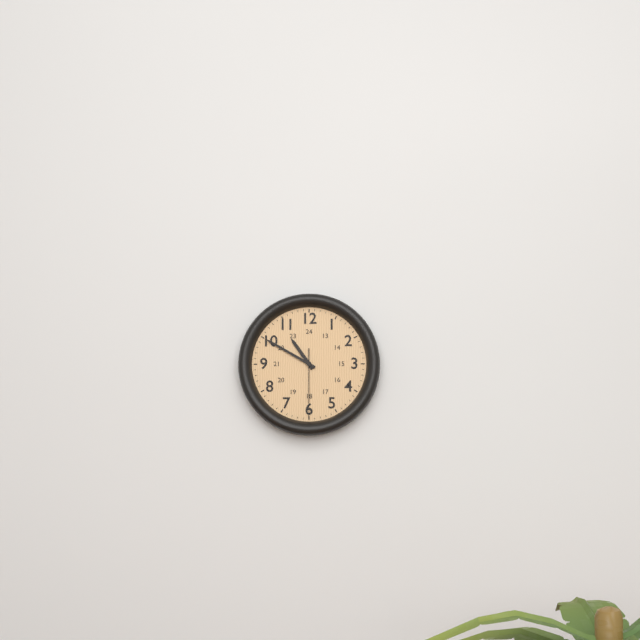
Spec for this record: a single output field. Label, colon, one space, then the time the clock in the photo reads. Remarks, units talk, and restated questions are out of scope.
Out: 10:50:30
